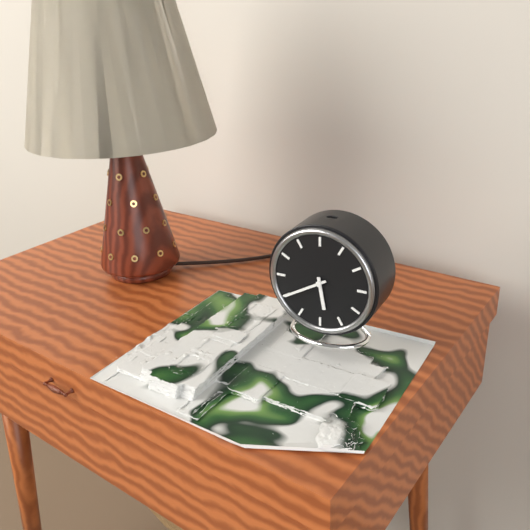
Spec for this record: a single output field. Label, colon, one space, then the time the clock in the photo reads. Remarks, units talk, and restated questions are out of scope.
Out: 5:40
